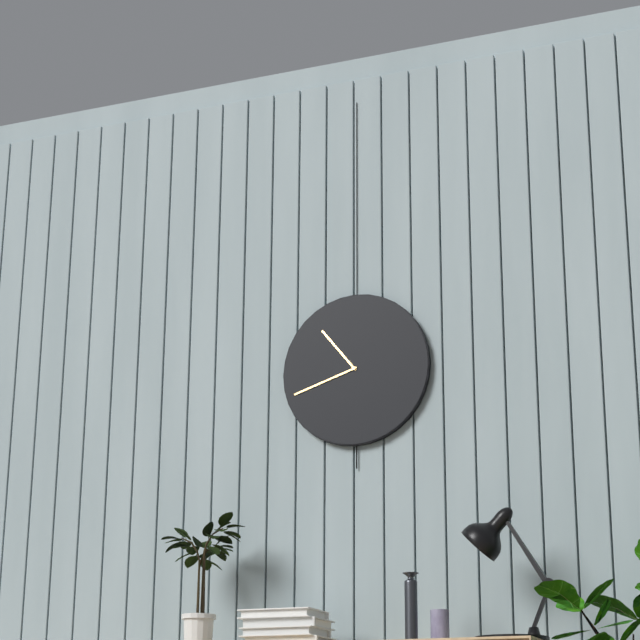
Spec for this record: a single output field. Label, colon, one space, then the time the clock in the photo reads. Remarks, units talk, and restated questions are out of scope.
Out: 10:42
